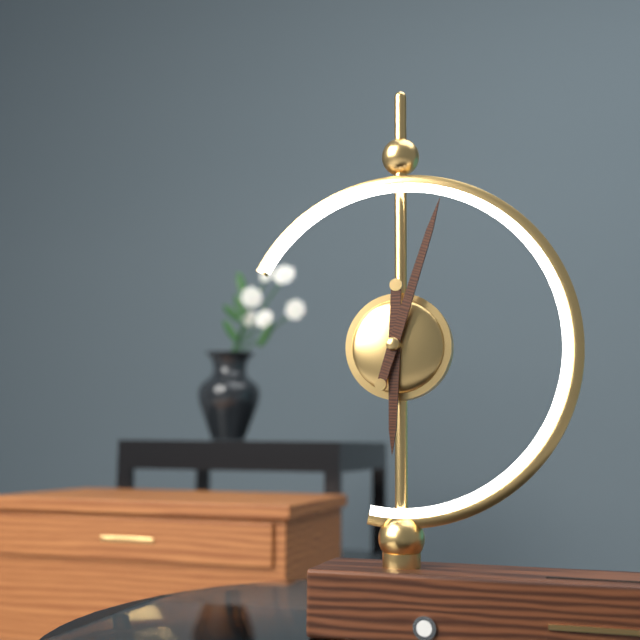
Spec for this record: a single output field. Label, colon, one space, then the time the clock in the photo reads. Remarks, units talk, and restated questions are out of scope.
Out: 6:03
